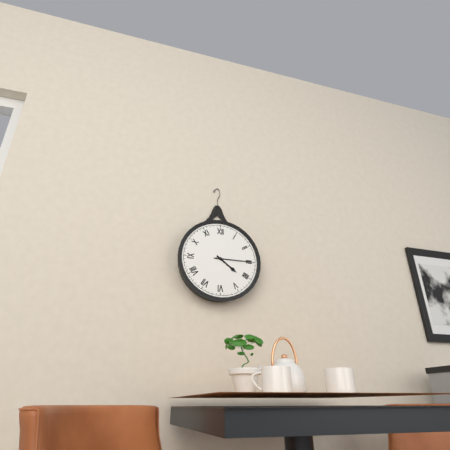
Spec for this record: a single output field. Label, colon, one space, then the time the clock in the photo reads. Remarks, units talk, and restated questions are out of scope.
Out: 4:15
